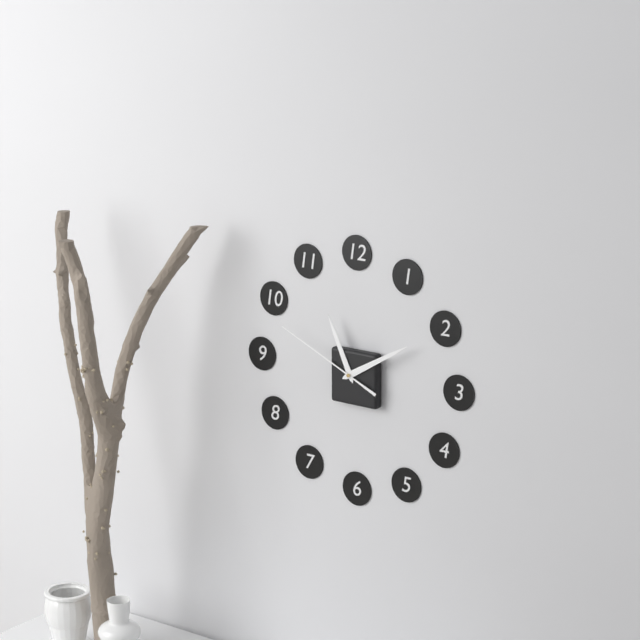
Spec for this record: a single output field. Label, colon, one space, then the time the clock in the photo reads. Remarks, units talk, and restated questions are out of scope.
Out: 11:10:49
